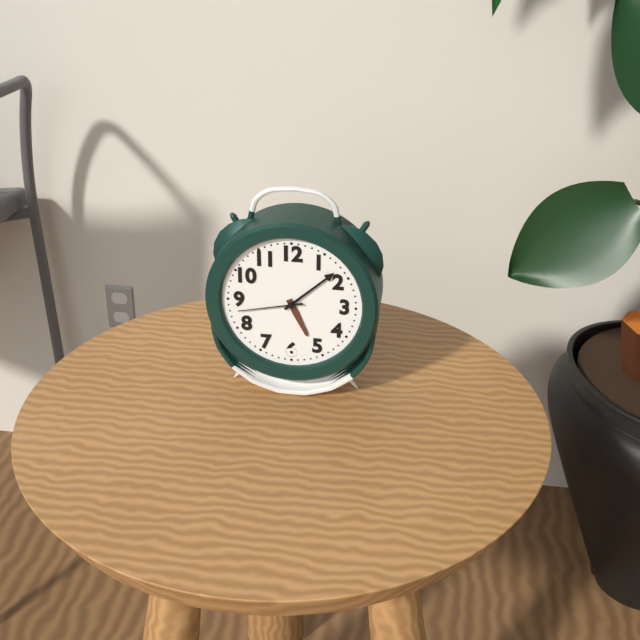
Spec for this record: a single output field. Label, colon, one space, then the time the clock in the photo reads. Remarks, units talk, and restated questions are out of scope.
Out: 5:08:43
